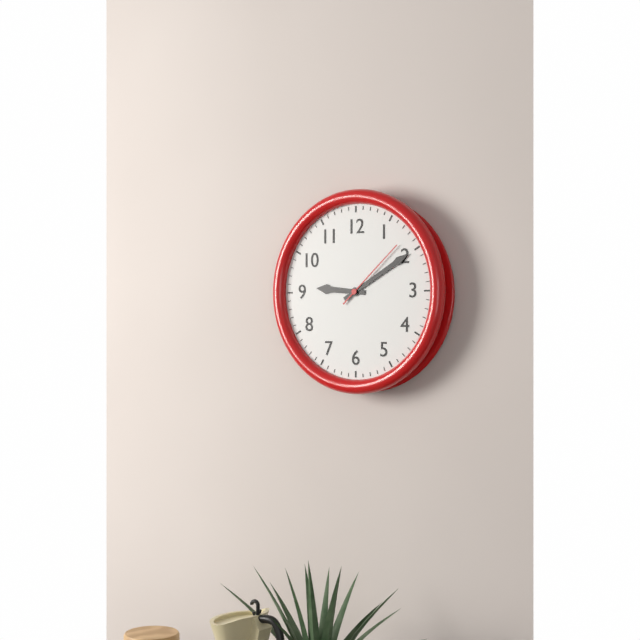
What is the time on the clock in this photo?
9:10:08
